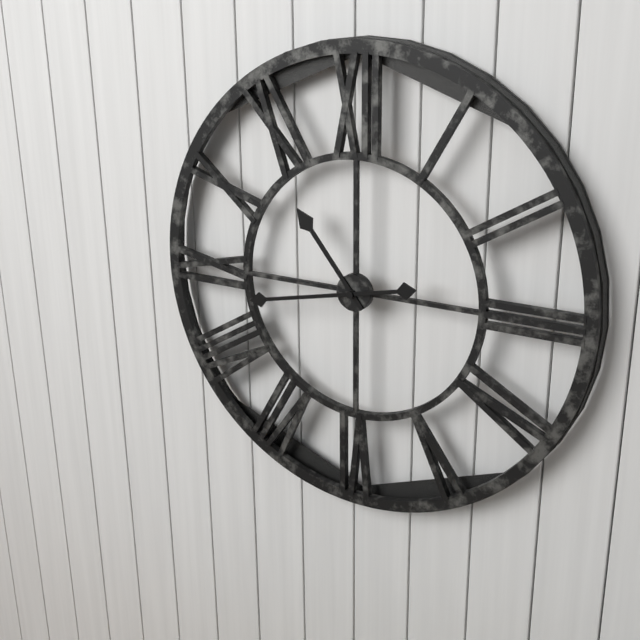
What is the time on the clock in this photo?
10:43
